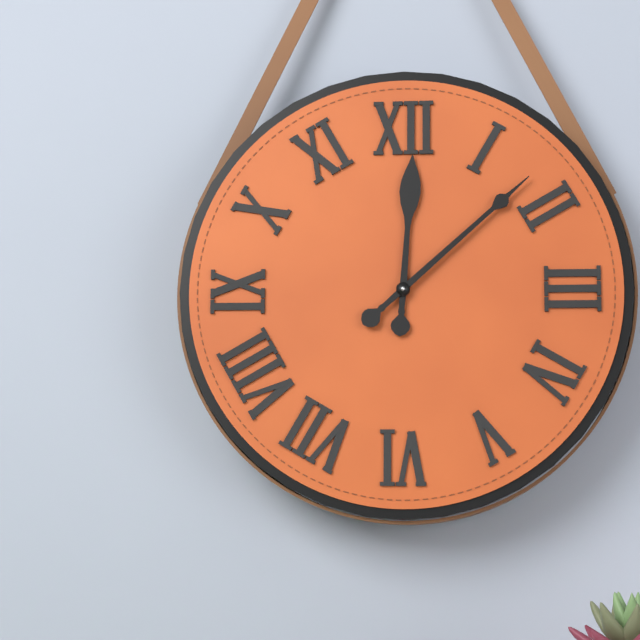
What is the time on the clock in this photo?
12:08
